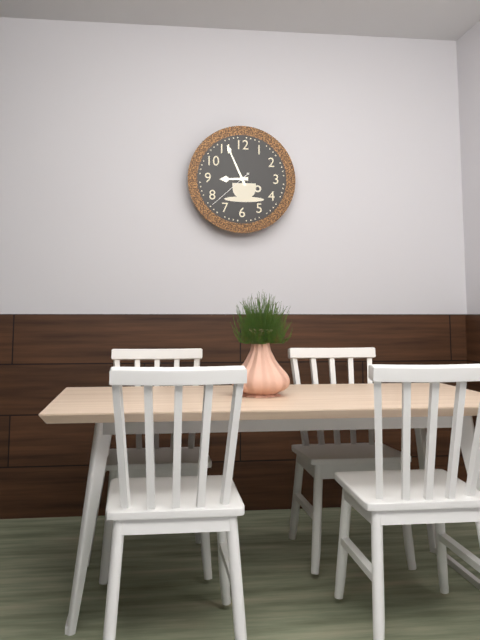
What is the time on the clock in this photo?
8:56
